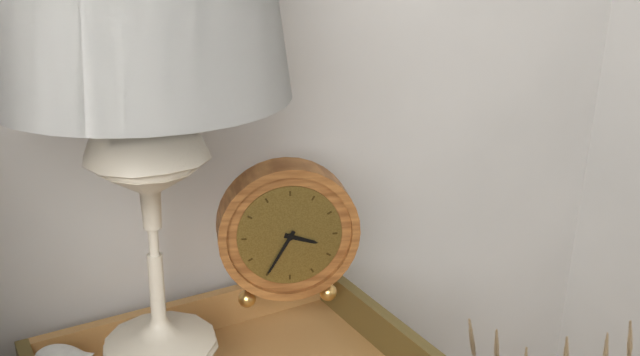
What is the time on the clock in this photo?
3:35
